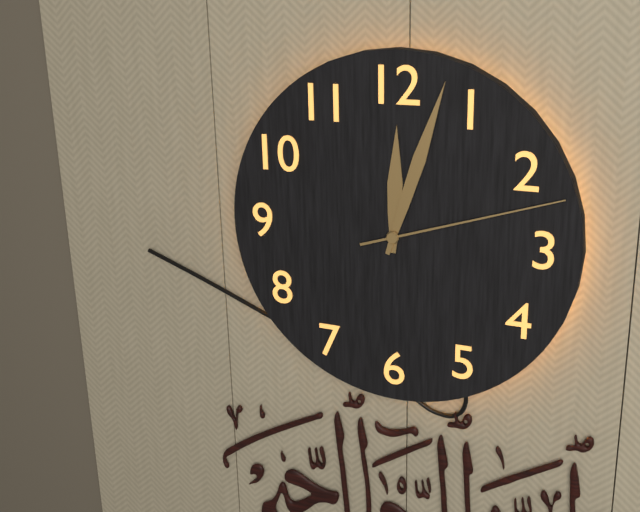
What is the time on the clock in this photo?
12:03:12
